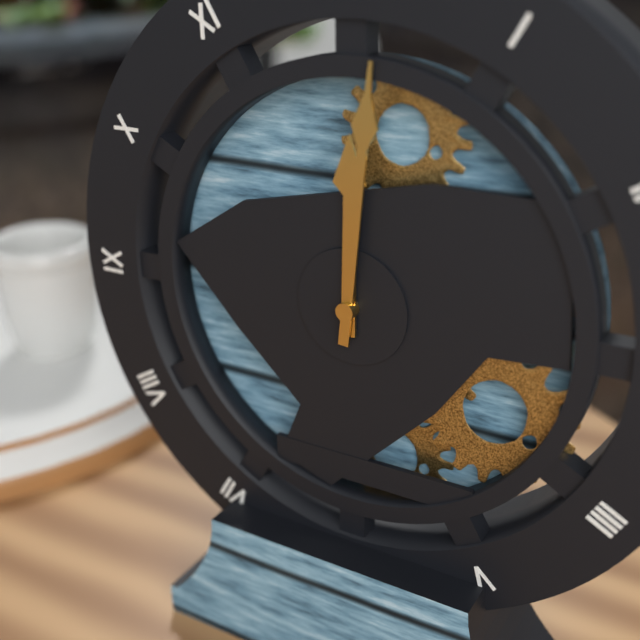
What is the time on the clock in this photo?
12:01
